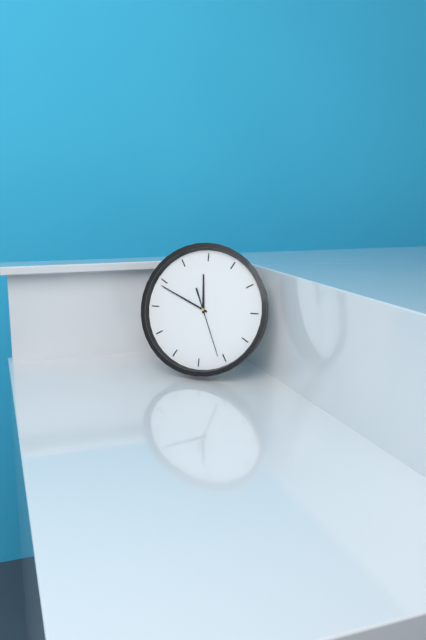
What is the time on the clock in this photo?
11:49:26
